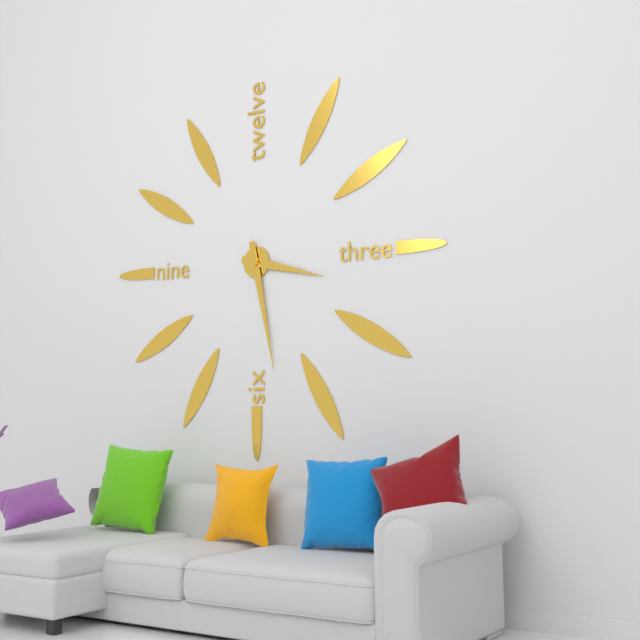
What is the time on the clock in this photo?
3:28
